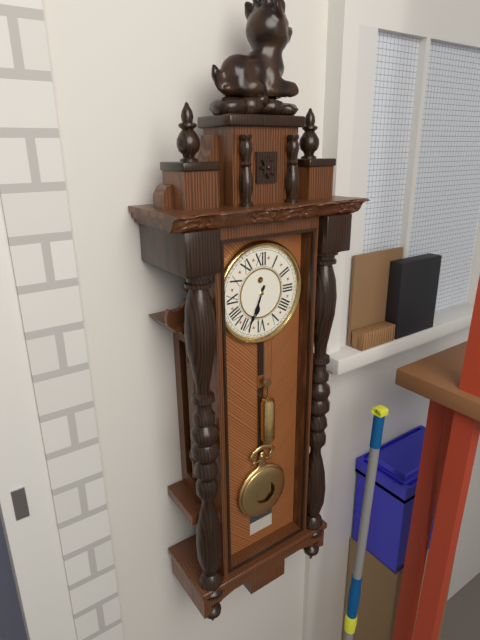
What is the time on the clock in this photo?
6:34
